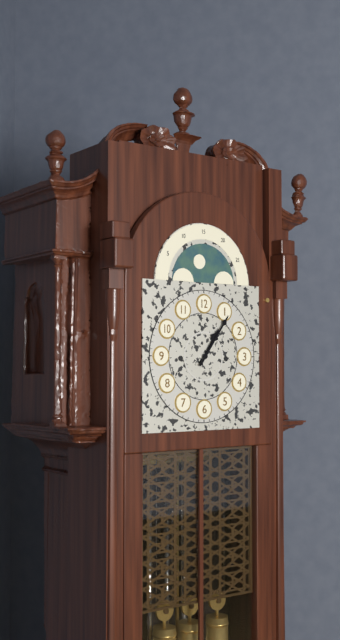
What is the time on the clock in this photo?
1:06
